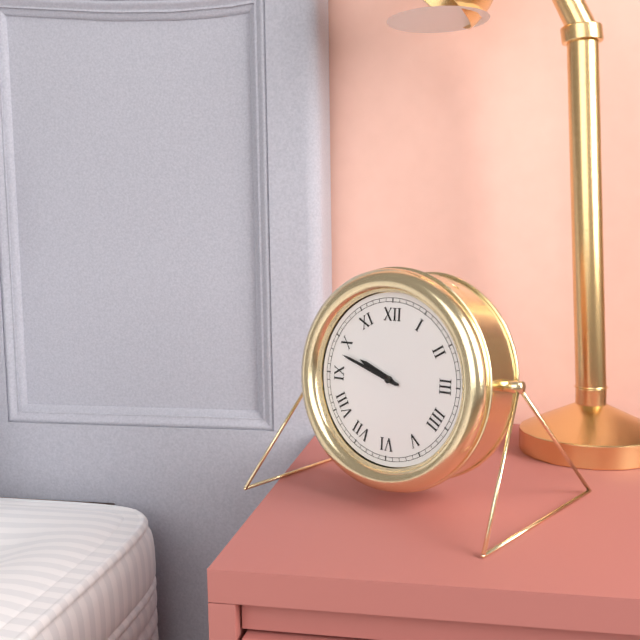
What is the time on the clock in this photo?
9:48
